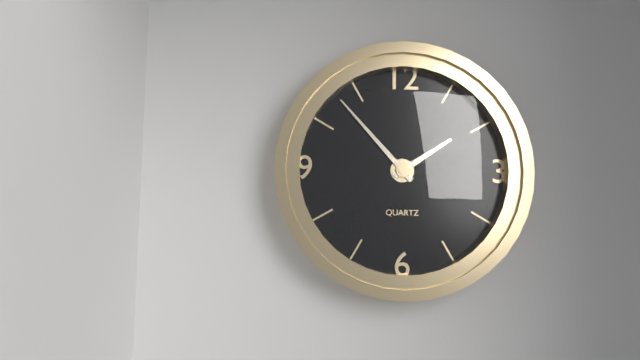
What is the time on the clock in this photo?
1:53
